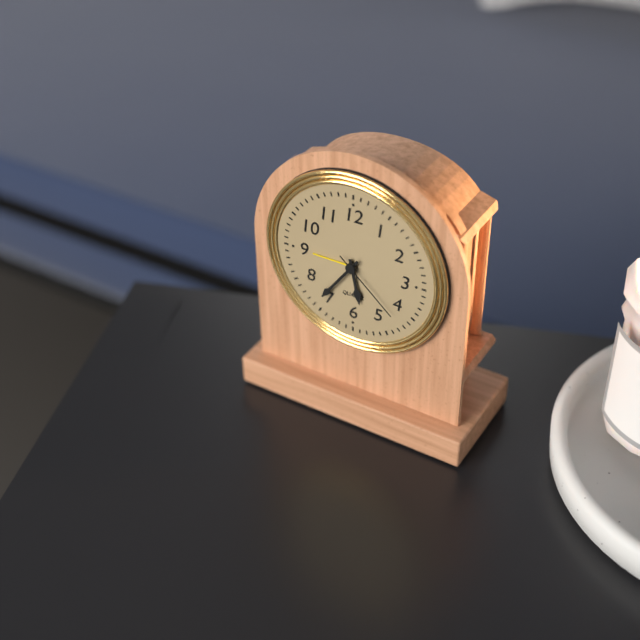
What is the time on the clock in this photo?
5:36:22
